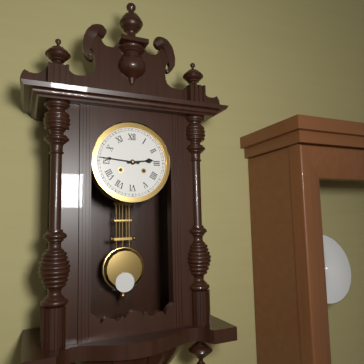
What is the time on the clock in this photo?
2:46
